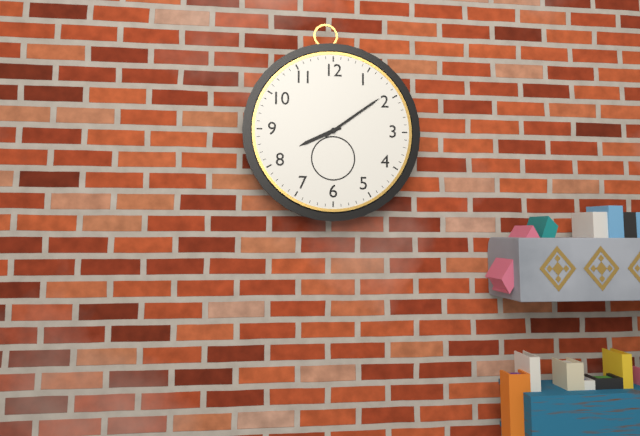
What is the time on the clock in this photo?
8:09
